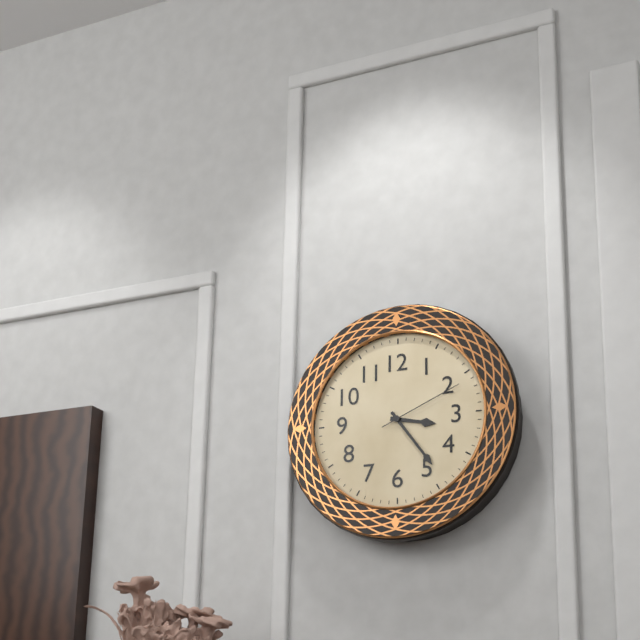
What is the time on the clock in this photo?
3:24:11
